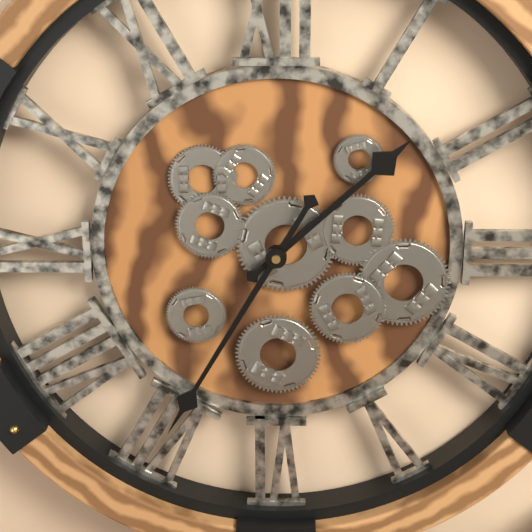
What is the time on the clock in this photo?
1:35
